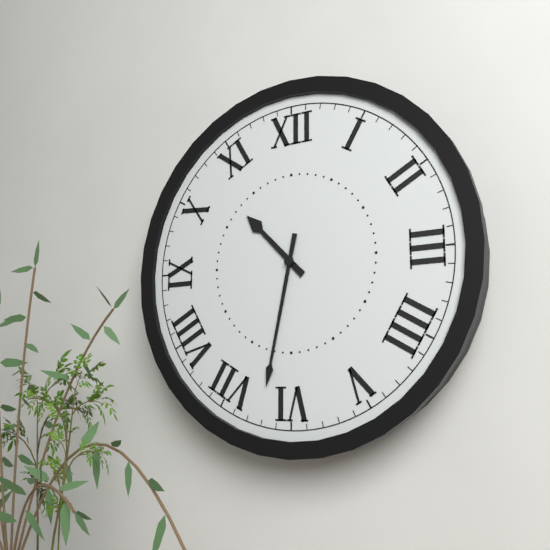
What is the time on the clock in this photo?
10:32
